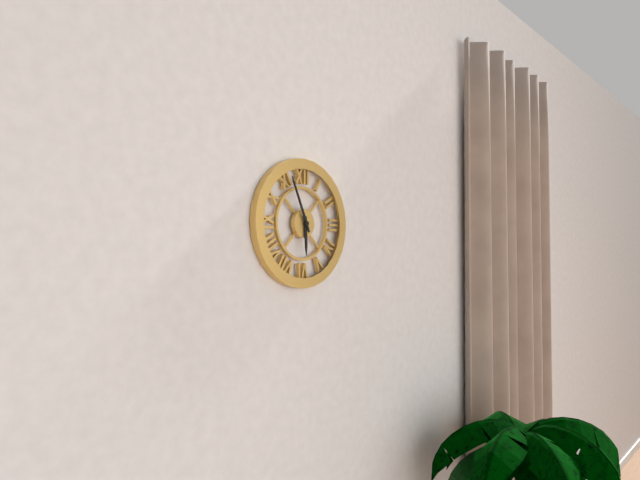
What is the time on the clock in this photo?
5:56
